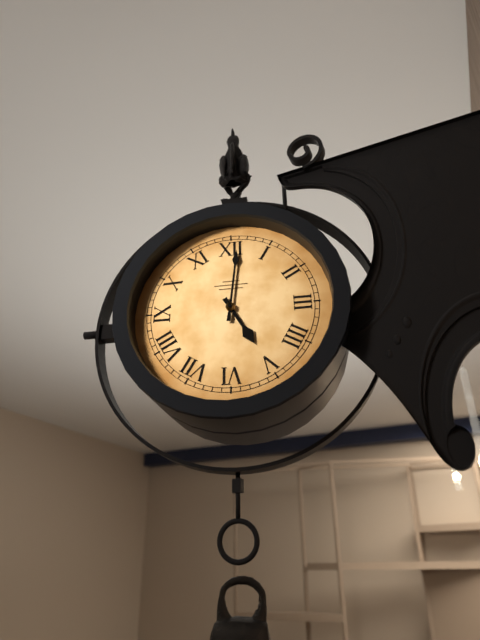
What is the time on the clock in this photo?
5:01
